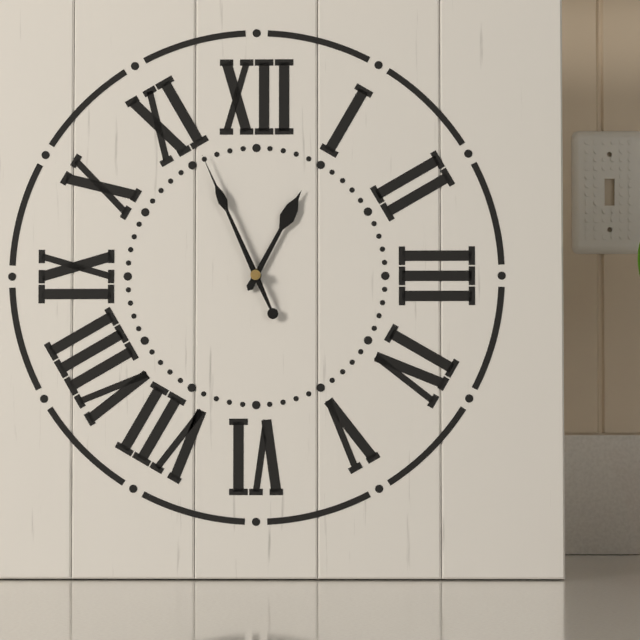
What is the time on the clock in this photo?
12:56:56
